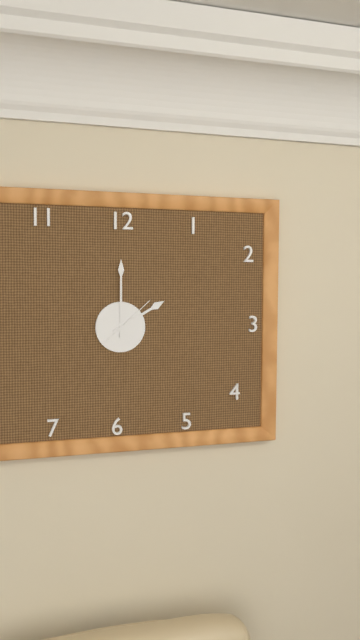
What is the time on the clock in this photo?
2:00:08
